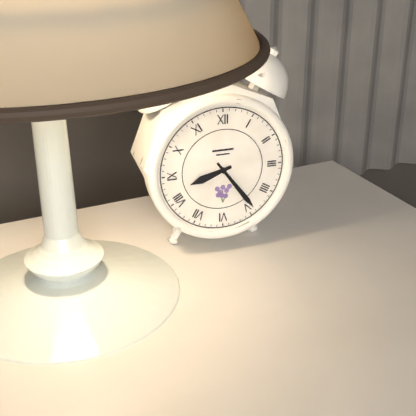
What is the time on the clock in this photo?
8:24
